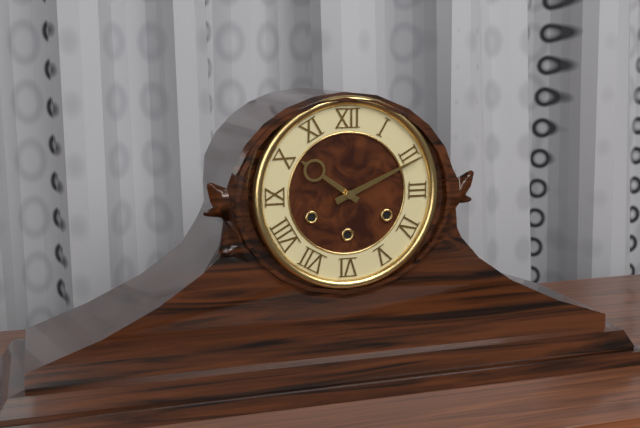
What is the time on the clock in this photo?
10:11
